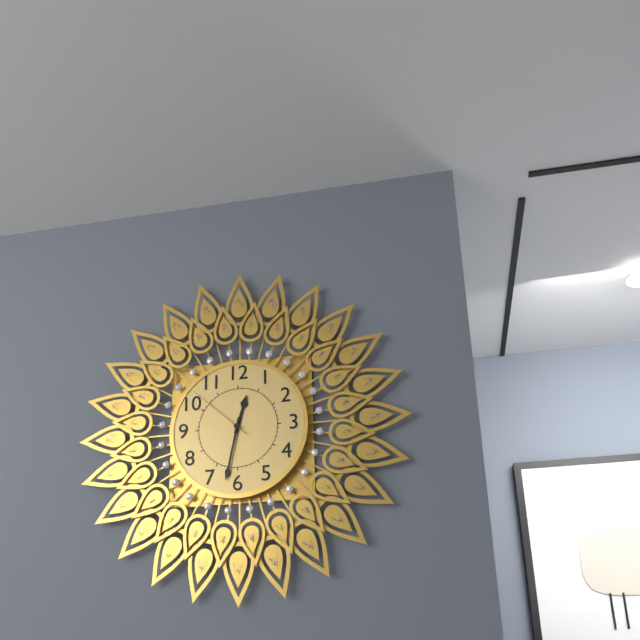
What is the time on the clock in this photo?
12:32:52
